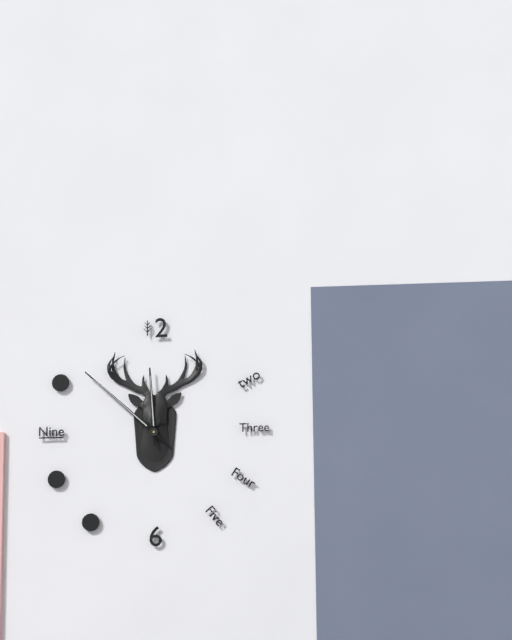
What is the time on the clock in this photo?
11:52
